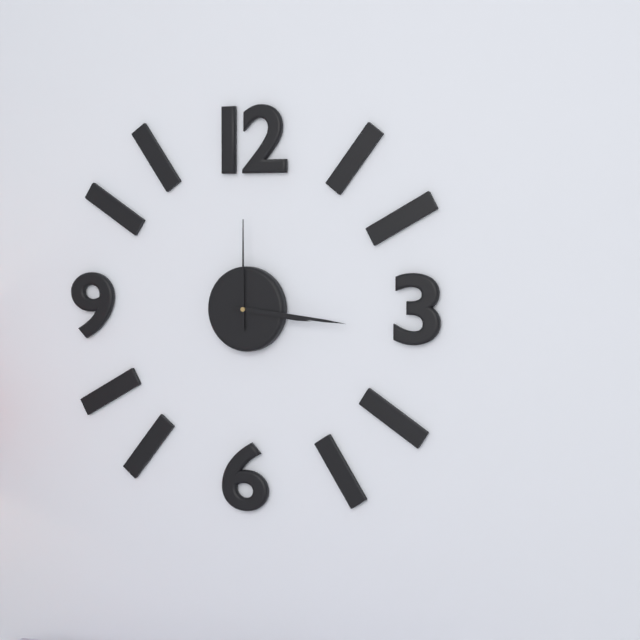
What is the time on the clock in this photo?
3:16:00
